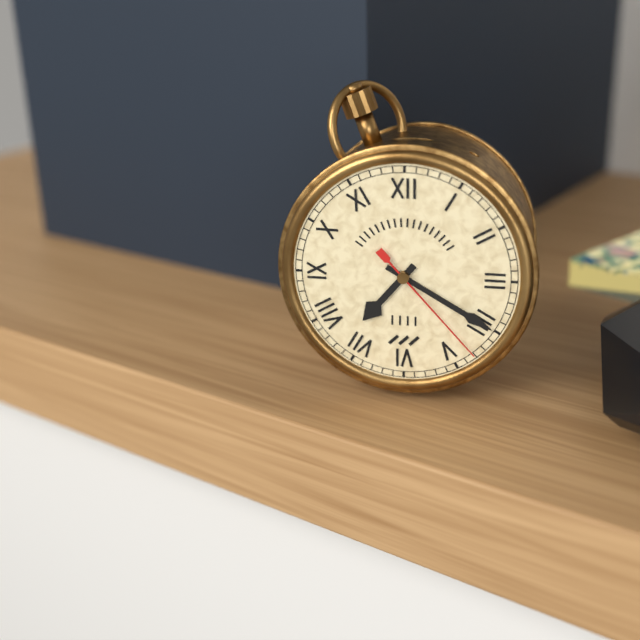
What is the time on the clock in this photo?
7:20:23
